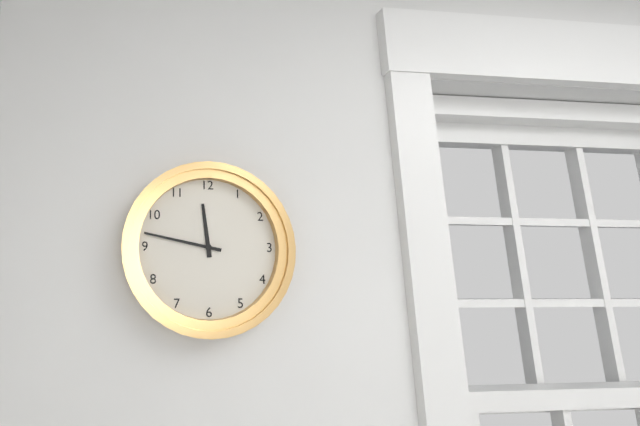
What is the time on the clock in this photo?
11:47
